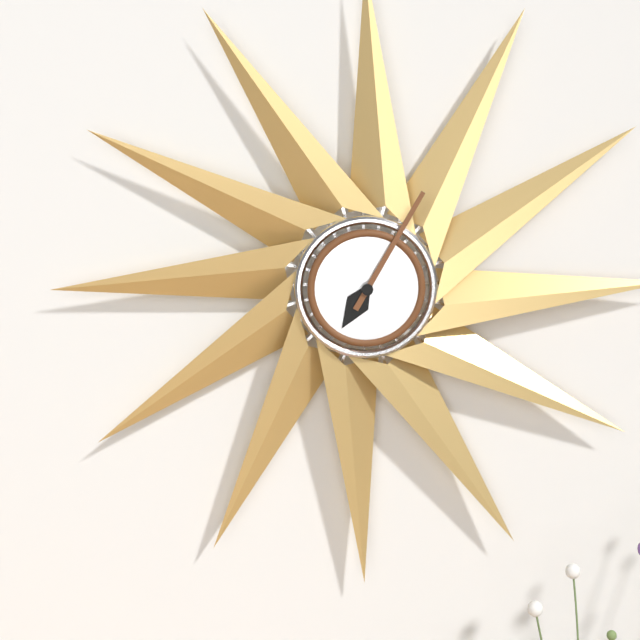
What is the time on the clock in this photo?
7:05
